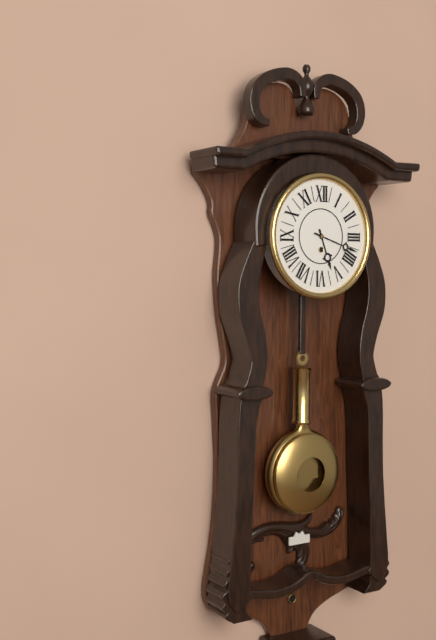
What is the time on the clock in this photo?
5:18
